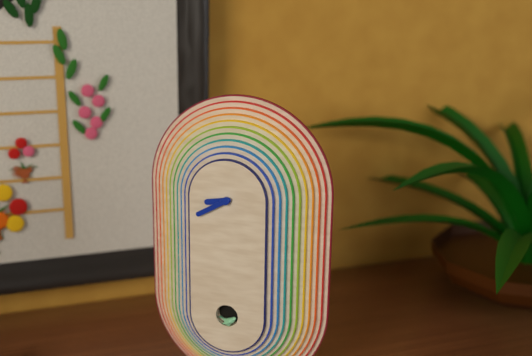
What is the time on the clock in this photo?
8:40
